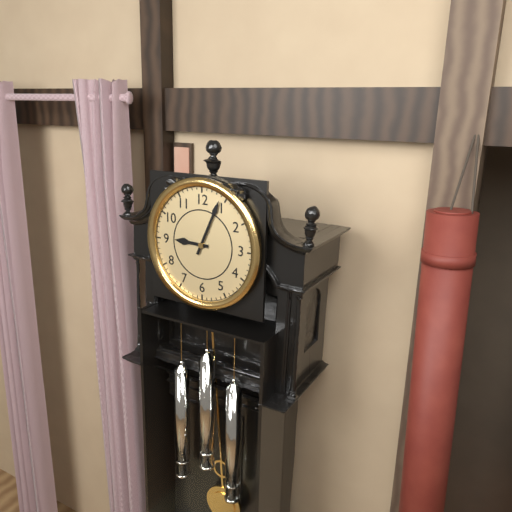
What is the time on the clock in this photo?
9:04
